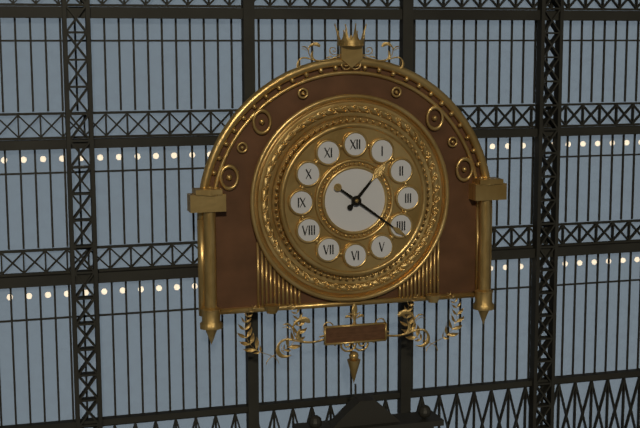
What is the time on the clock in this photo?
1:21
